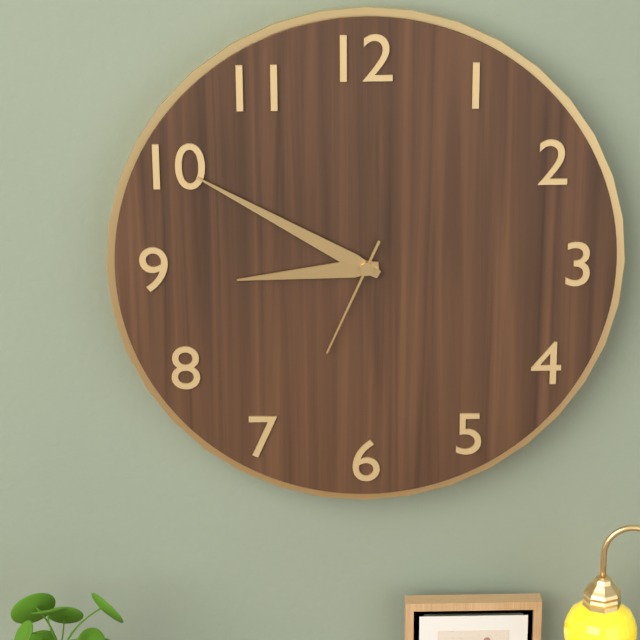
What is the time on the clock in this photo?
8:50:34
